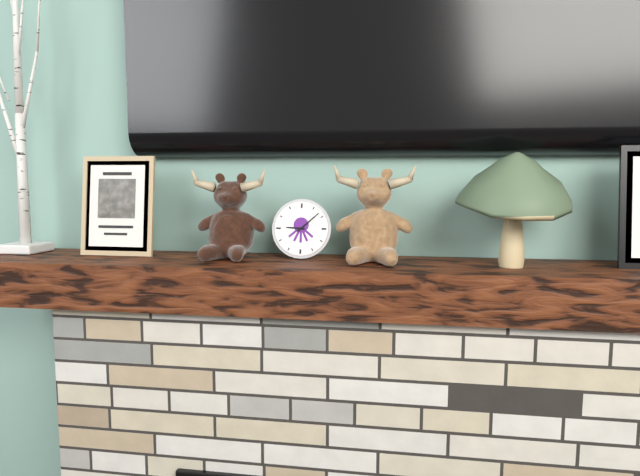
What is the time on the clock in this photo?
9:08
